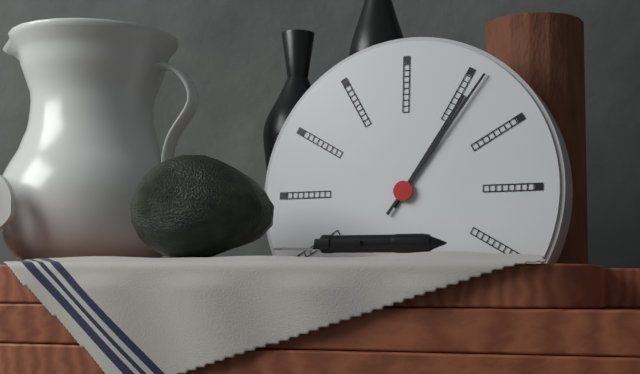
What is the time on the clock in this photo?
1:06
